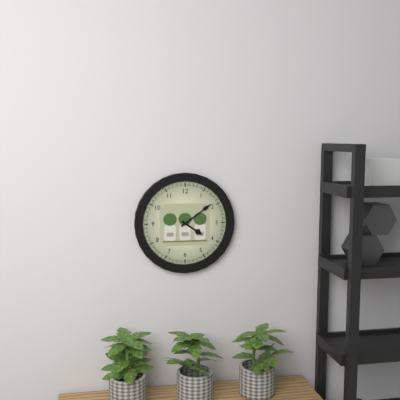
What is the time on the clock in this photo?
4:09
